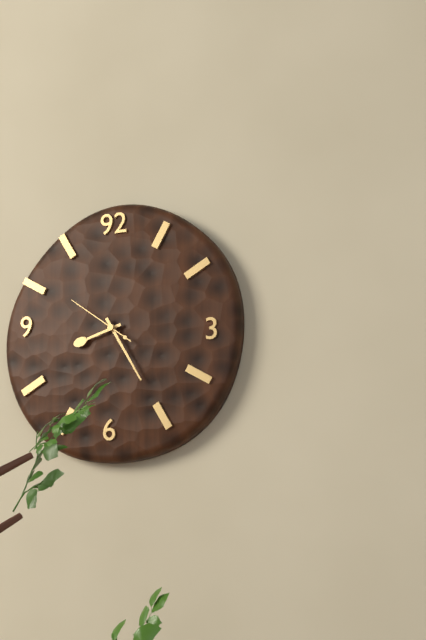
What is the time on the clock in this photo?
8:25:51
